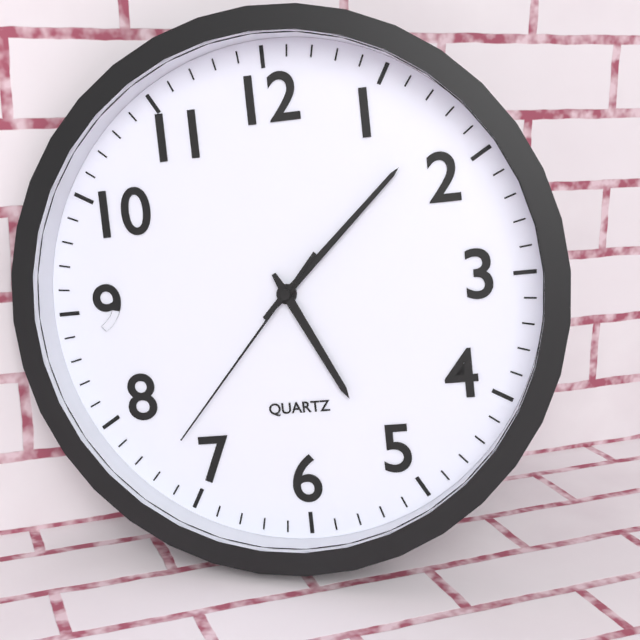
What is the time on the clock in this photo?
5:08:37
